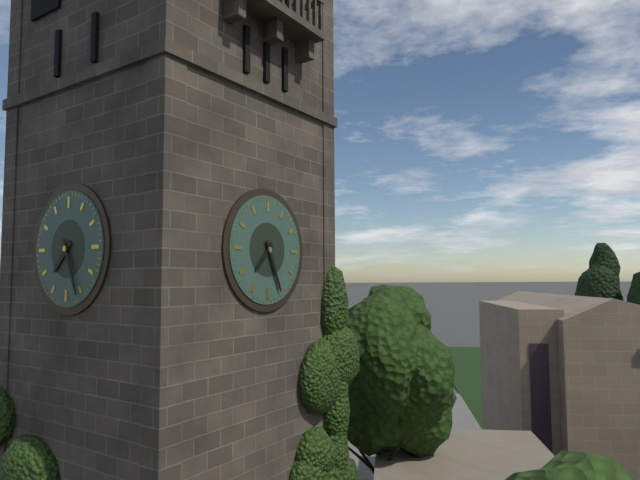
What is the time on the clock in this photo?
7:26
